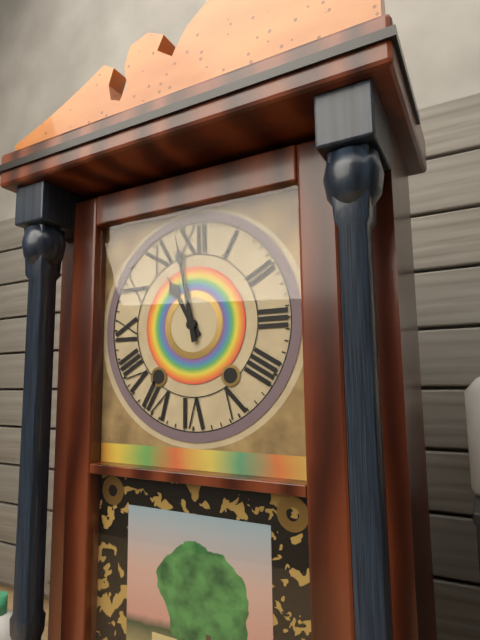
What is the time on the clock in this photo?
10:58
